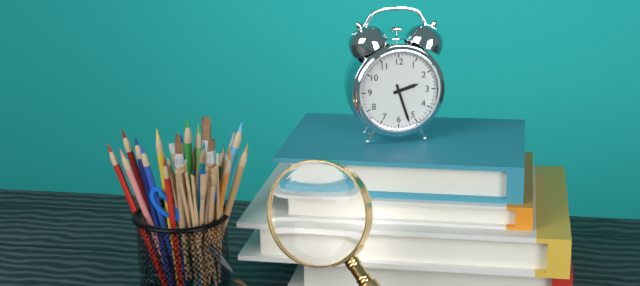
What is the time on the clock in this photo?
2:27
